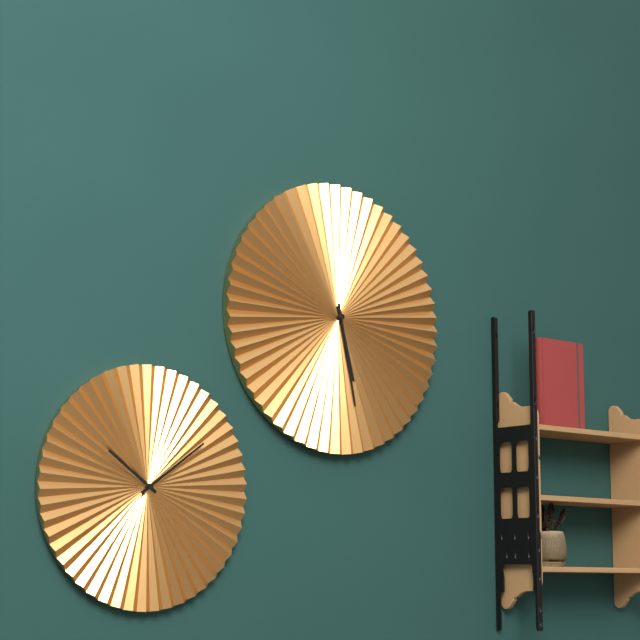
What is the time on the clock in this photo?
5:28
